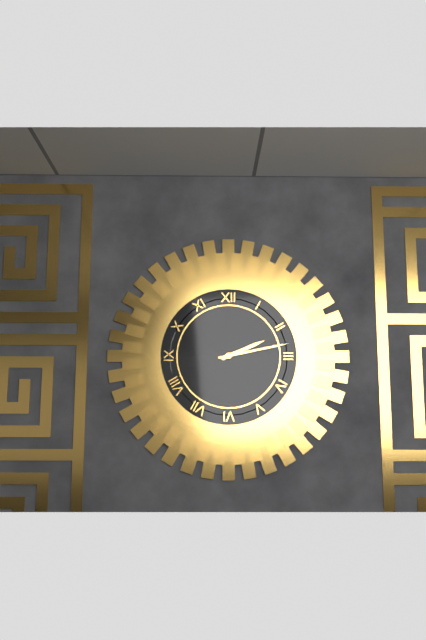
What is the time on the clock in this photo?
2:13
